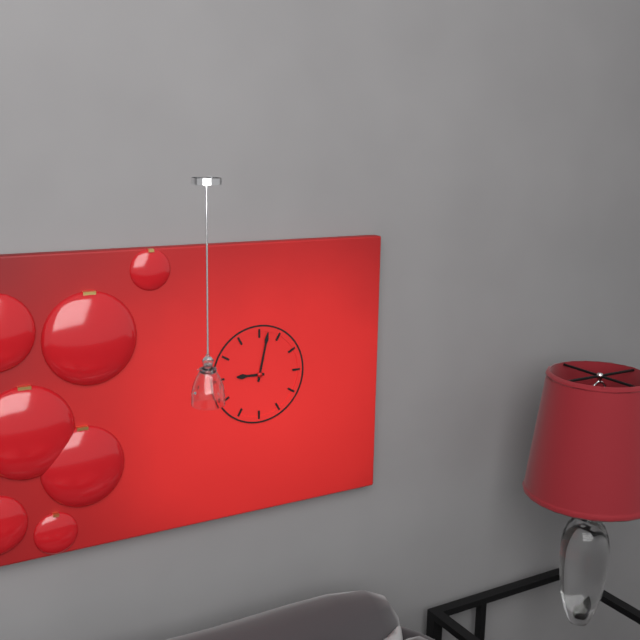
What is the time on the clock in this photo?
9:02
